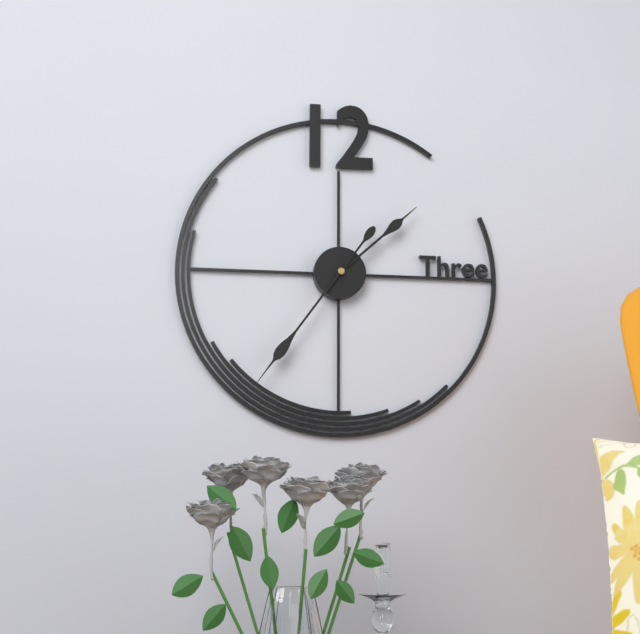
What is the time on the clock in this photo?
1:36
